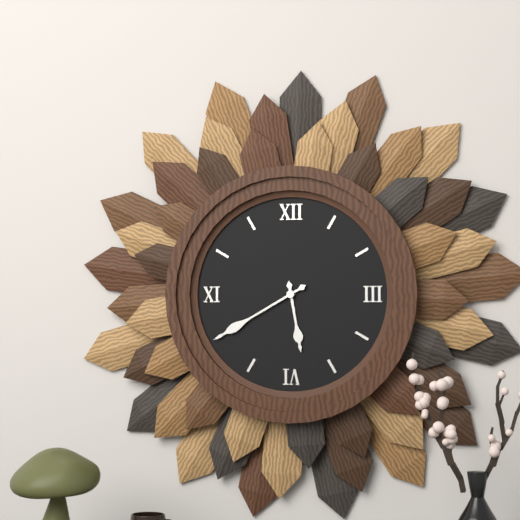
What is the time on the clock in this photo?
5:40
